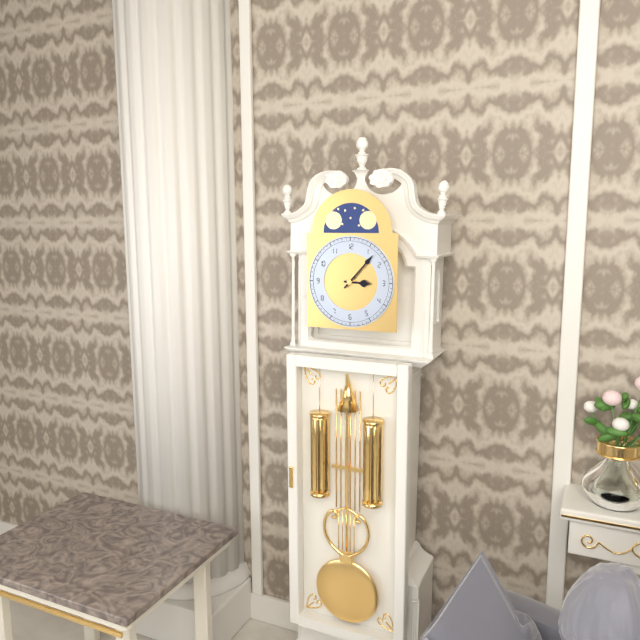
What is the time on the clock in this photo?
3:07
